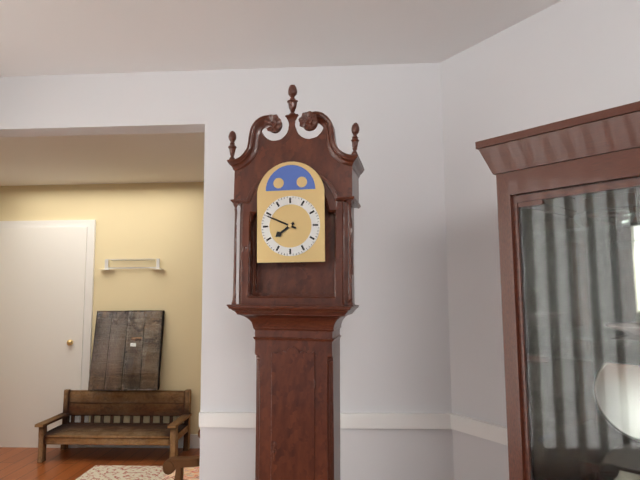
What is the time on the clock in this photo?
7:49
